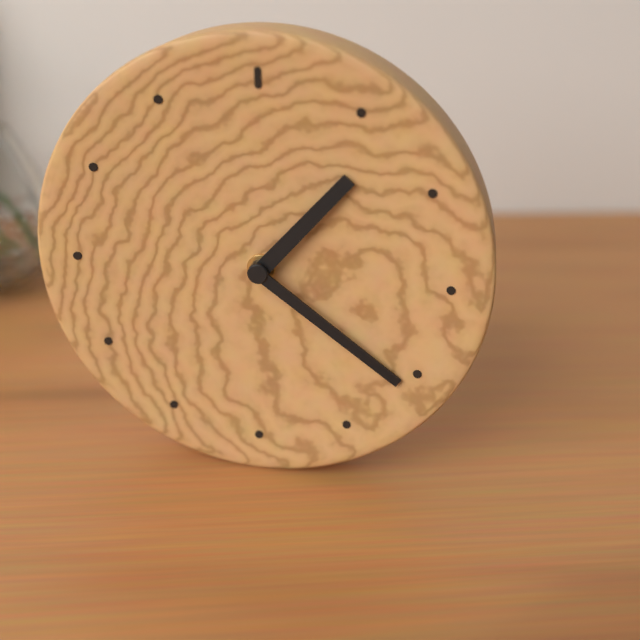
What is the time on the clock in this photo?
1:21
